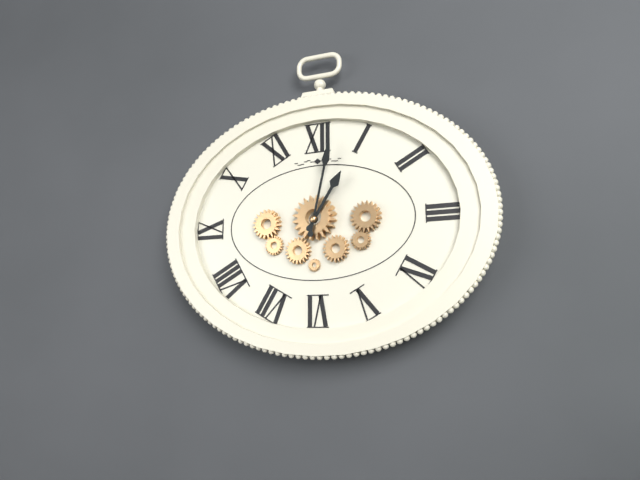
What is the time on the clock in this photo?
1:02
